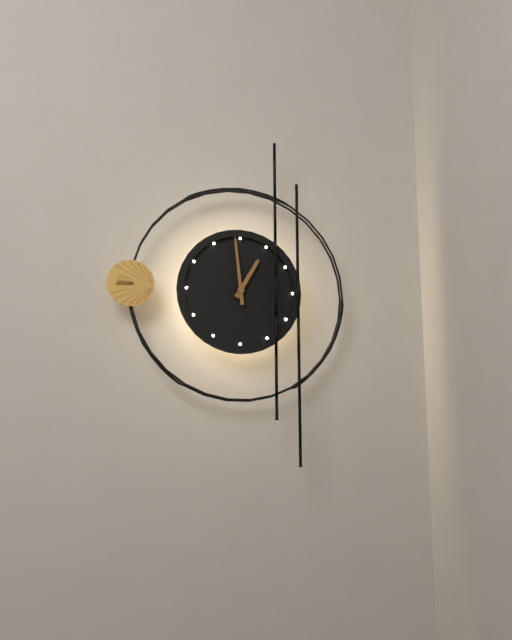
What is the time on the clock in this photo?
12:59
